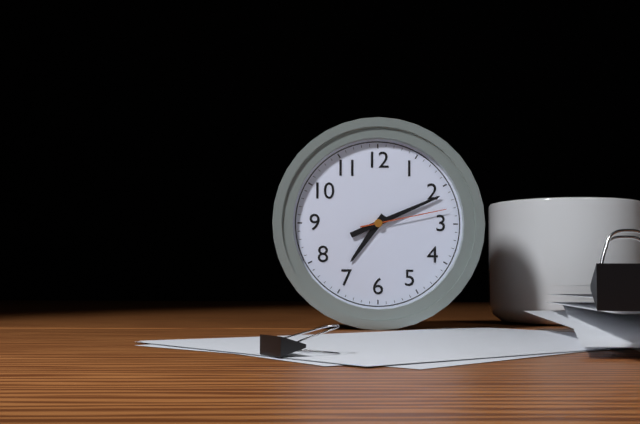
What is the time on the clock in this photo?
7:11:13
